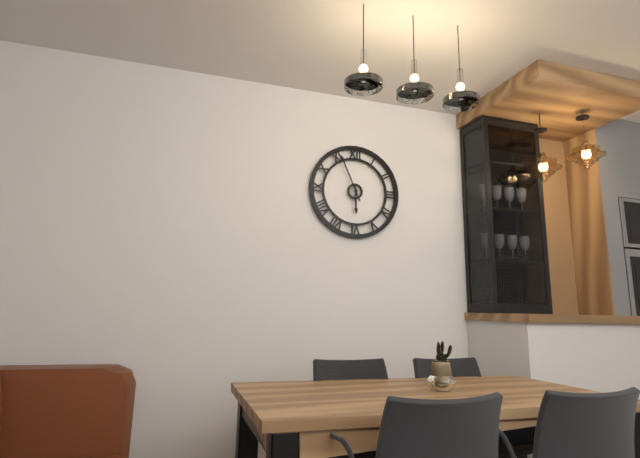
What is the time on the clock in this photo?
5:56
